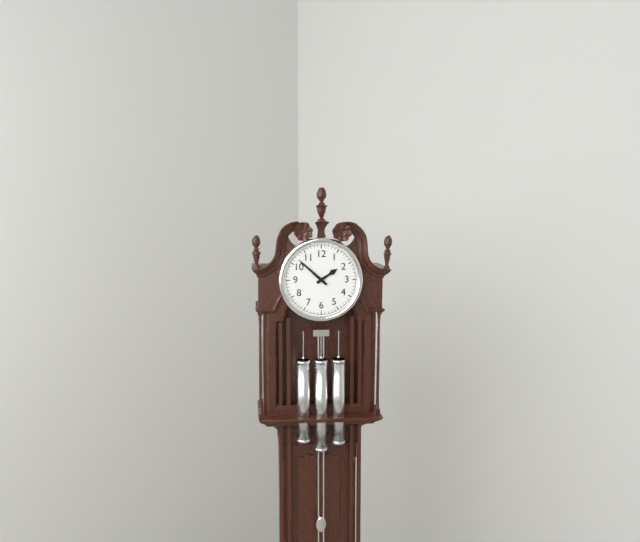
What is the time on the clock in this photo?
1:52
